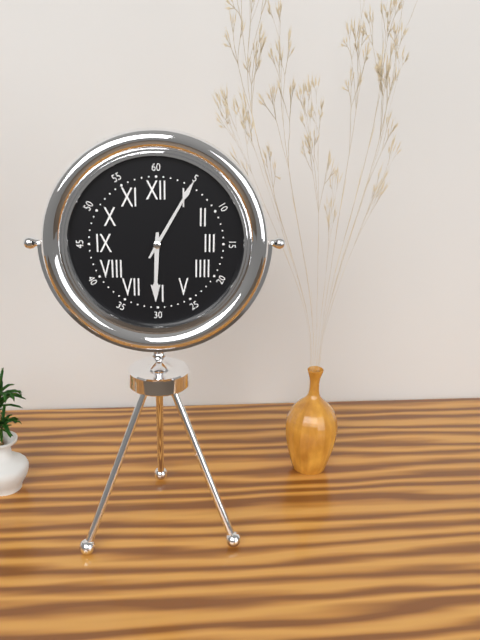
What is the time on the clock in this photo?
6:05
